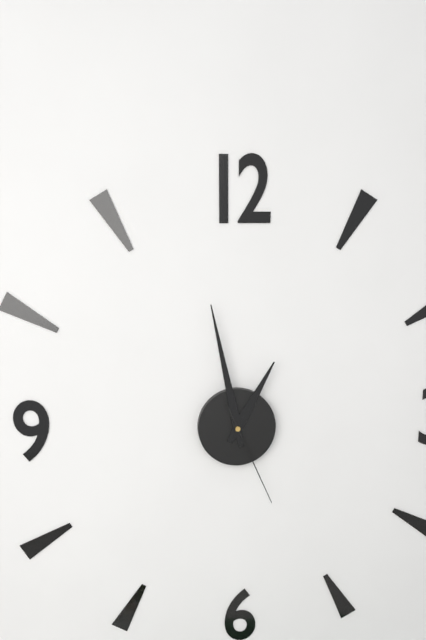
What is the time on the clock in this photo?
12:58:26
